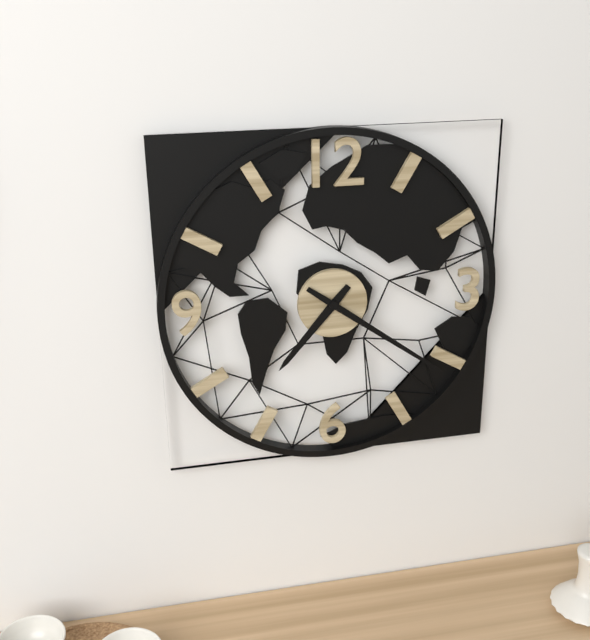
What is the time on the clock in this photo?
7:21
